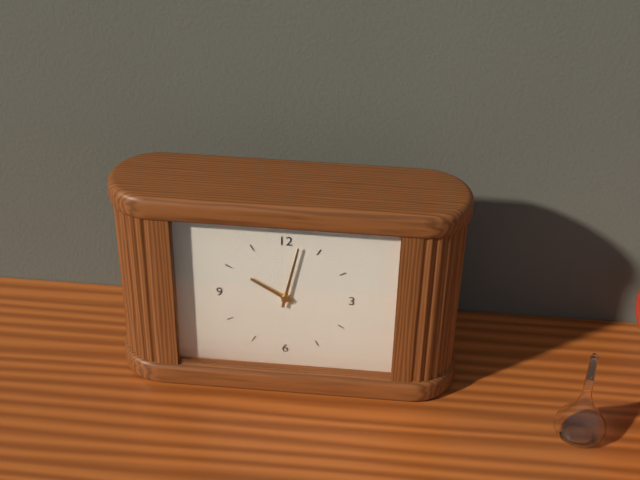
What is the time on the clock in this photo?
10:02
